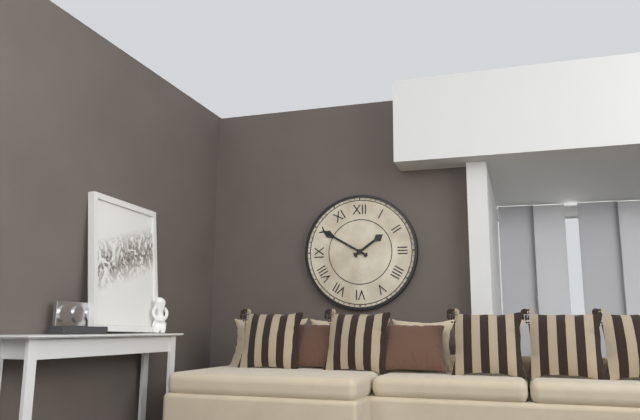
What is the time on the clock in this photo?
1:50
